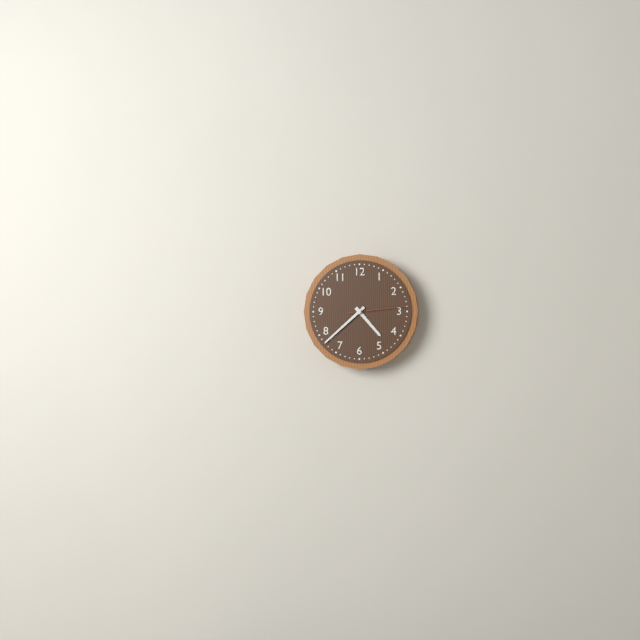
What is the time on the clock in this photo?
4:38:14
